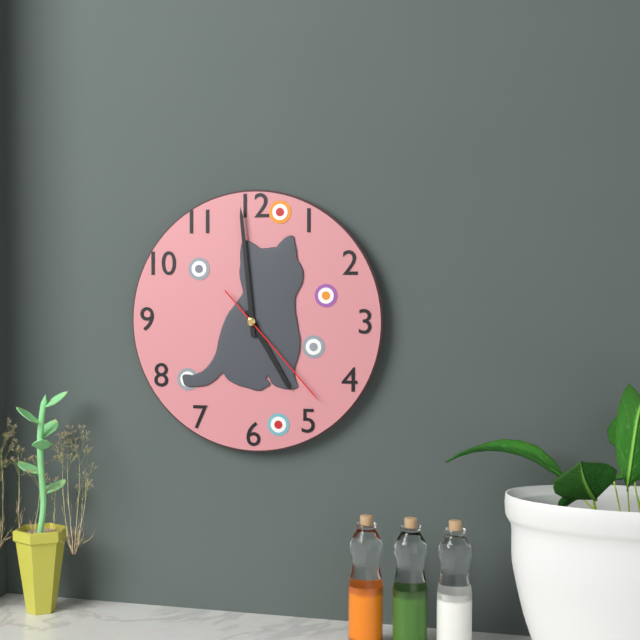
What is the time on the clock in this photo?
4:59:23
